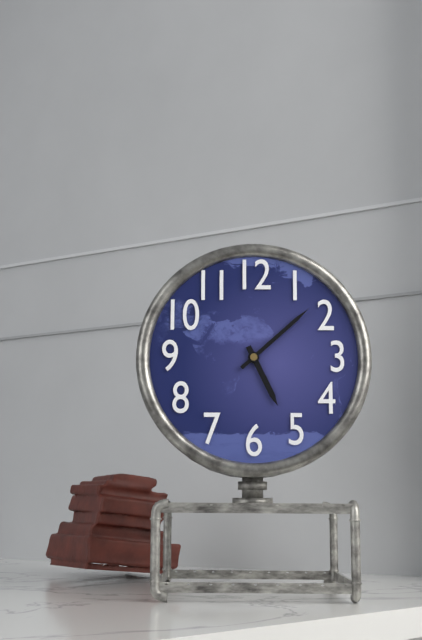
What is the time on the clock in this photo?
5:08
